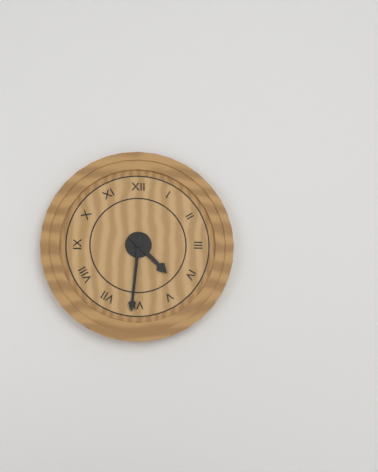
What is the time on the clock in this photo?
4:31
